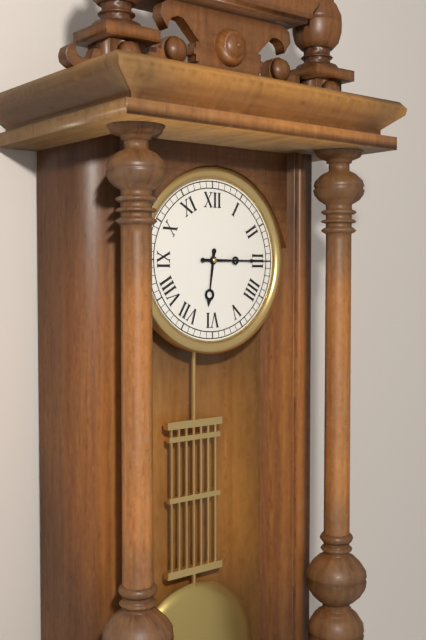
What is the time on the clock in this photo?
6:15
